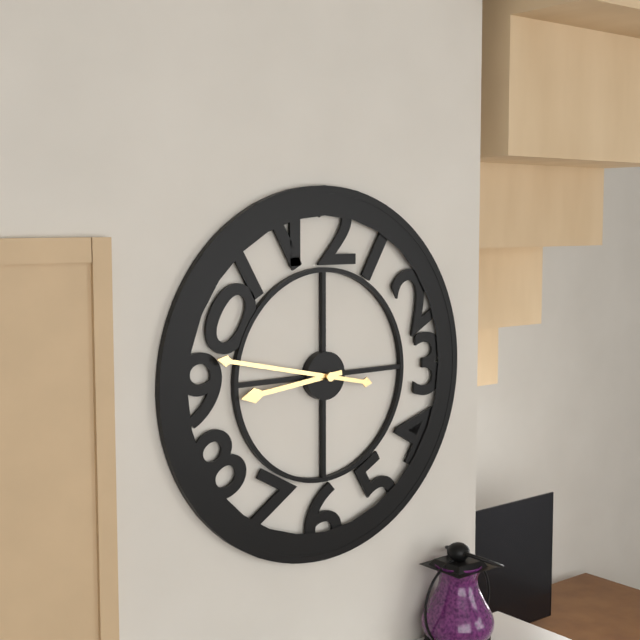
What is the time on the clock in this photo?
8:47
